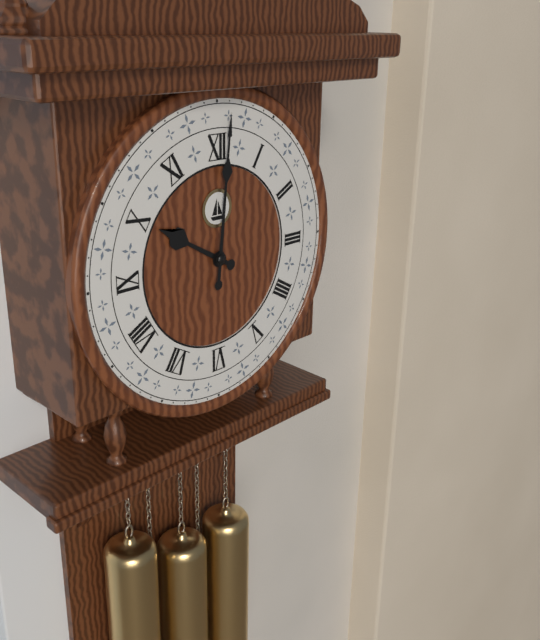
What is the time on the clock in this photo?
10:01
